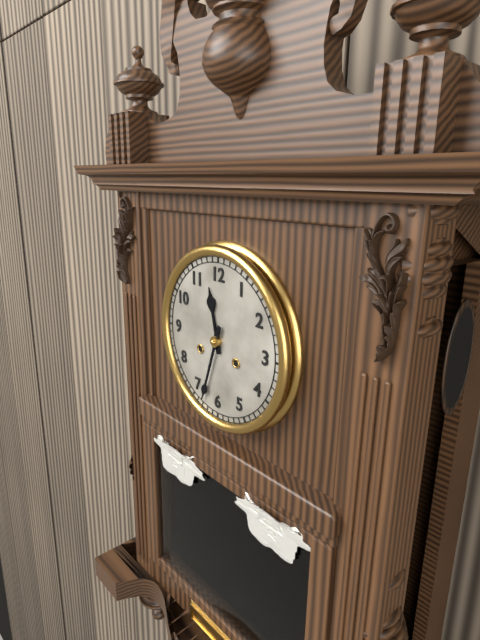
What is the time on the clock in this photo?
11:33
